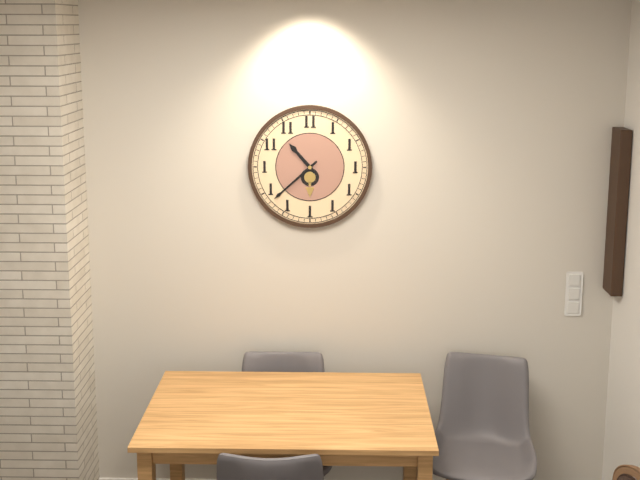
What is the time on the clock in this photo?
10:38
